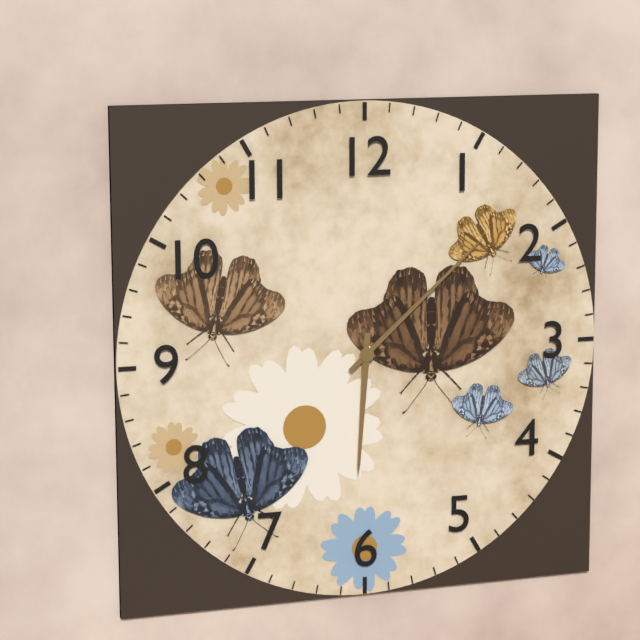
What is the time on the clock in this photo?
6:08
